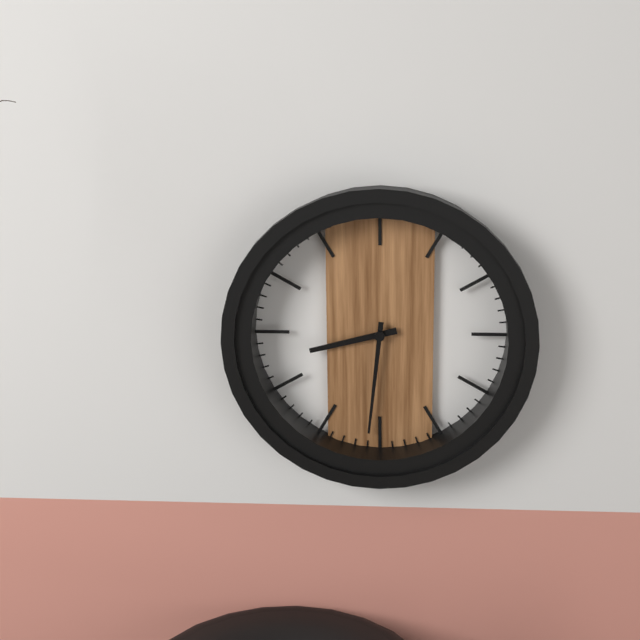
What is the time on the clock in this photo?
8:31
